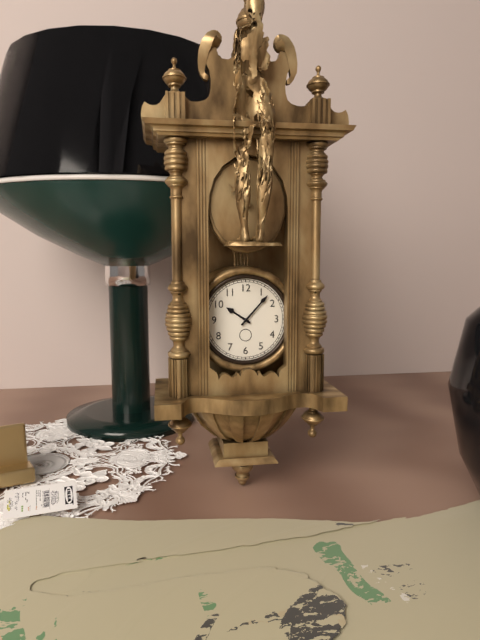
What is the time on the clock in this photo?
10:07
